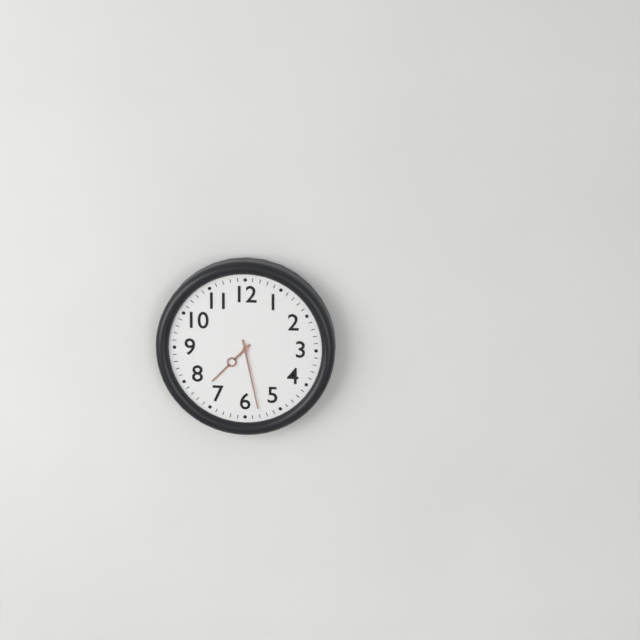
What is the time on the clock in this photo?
7:28
